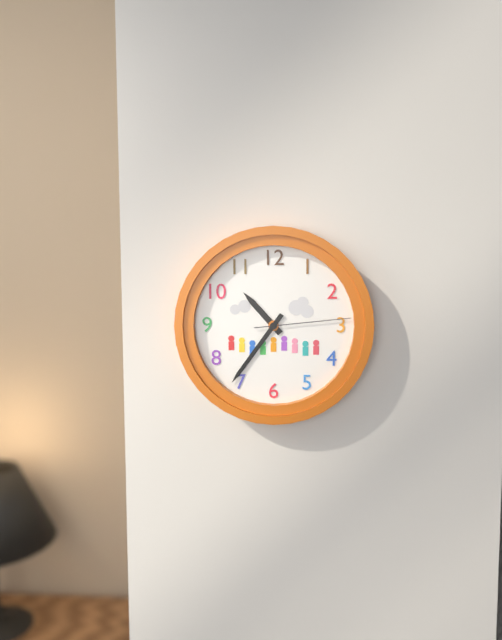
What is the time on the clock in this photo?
10:36:14
